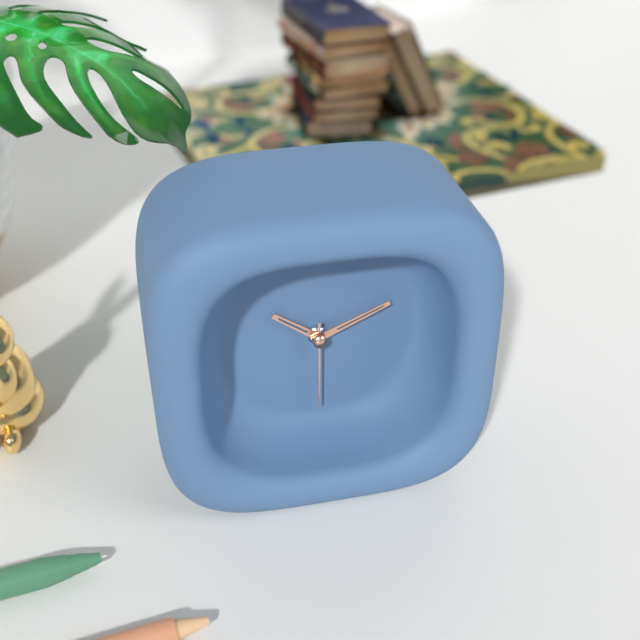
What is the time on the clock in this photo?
10:11:30
